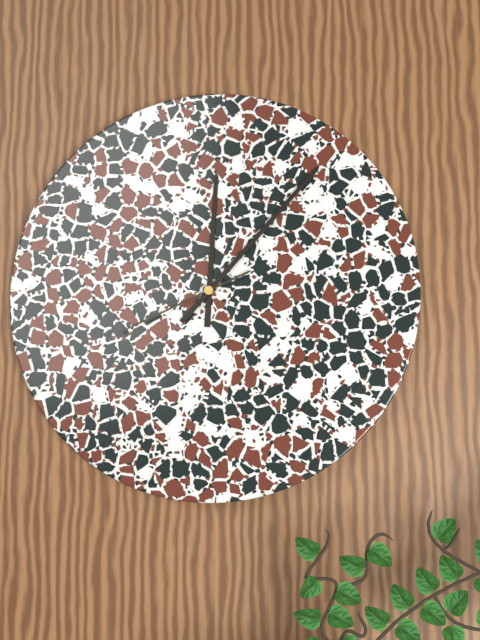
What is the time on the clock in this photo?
12:07:41
